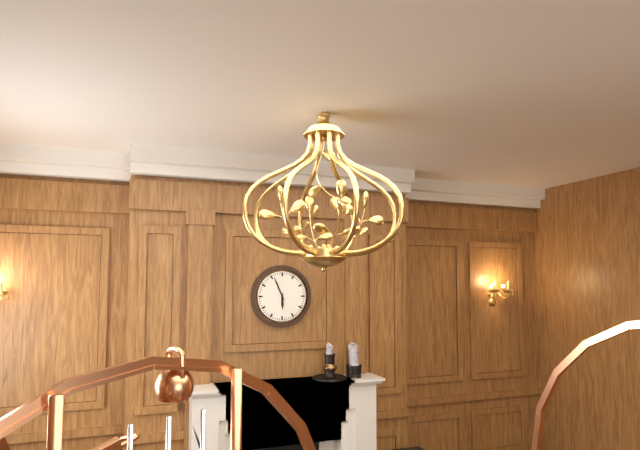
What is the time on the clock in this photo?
5:56
